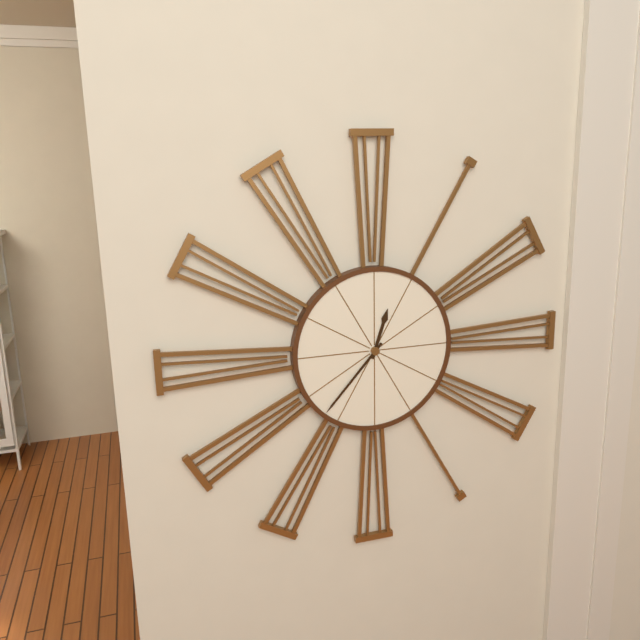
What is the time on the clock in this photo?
12:37
